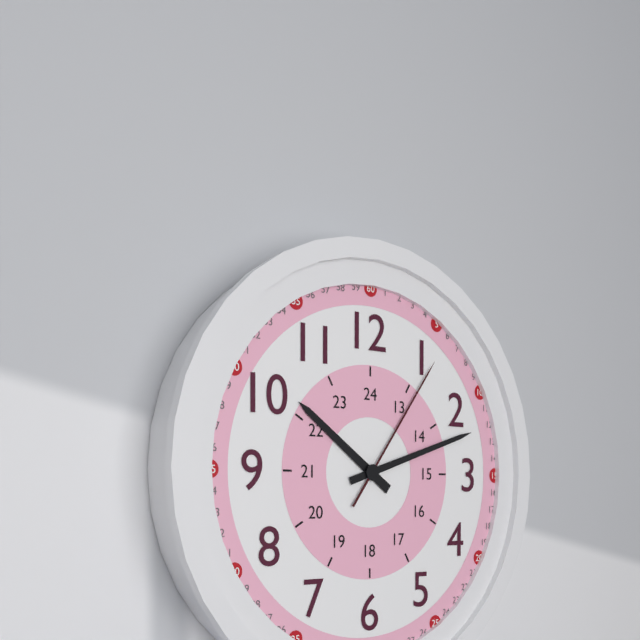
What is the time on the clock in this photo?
10:12:06
